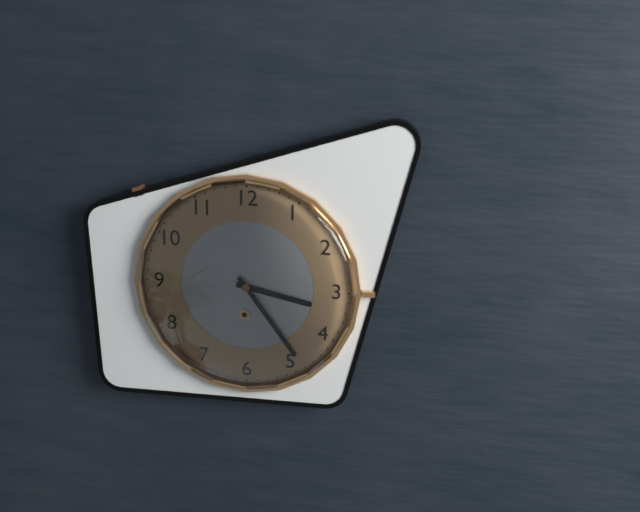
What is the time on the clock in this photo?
3:24
